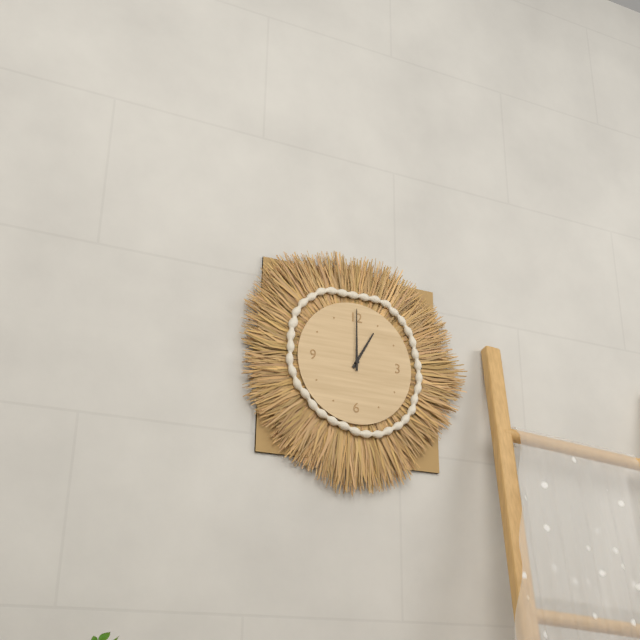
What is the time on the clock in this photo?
1:00
